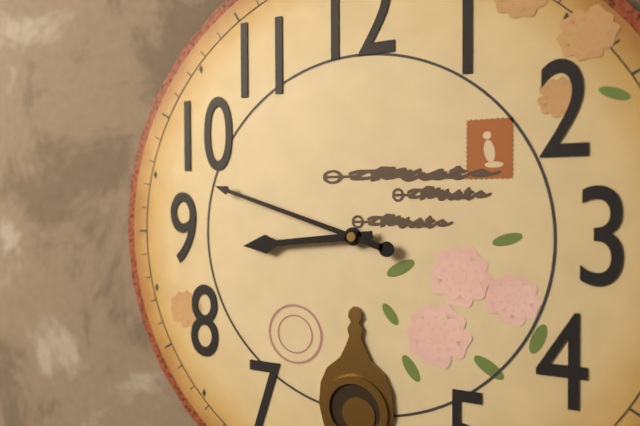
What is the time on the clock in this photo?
8:48
